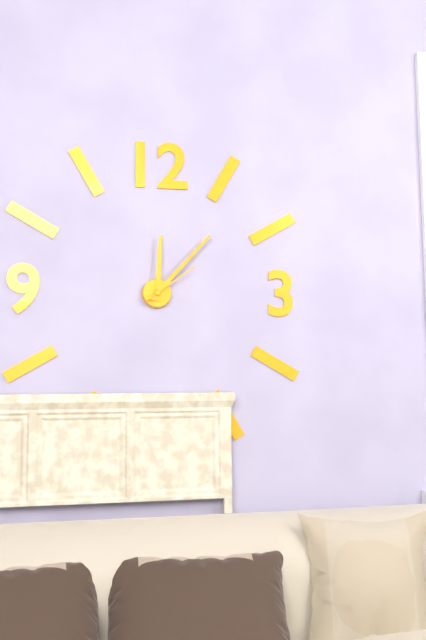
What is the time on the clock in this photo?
12:07:09
